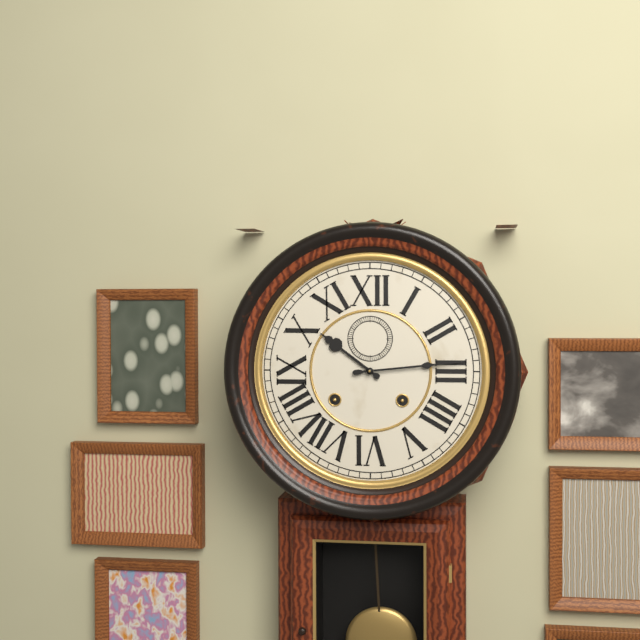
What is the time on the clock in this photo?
10:14
